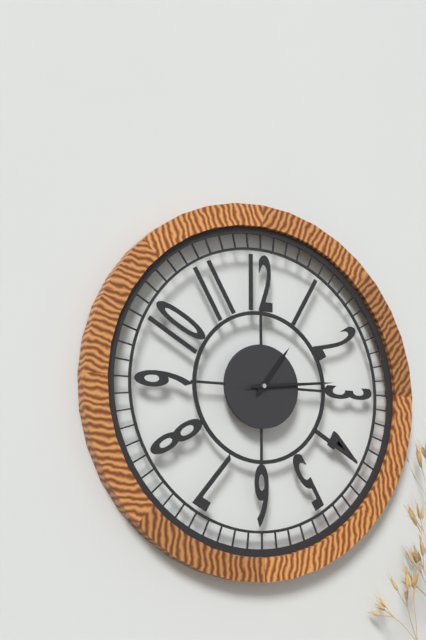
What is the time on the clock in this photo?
1:14:14
